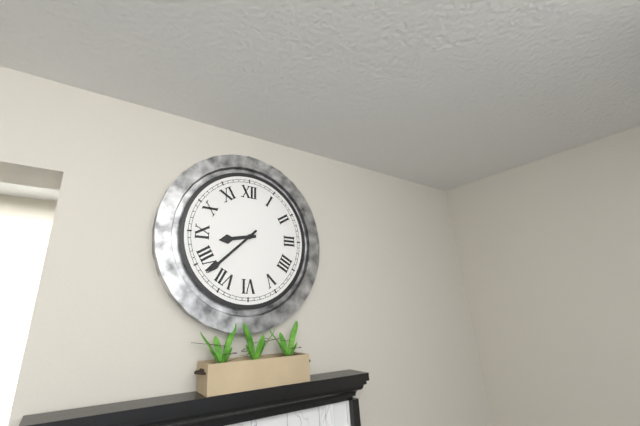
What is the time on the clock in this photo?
8:38
